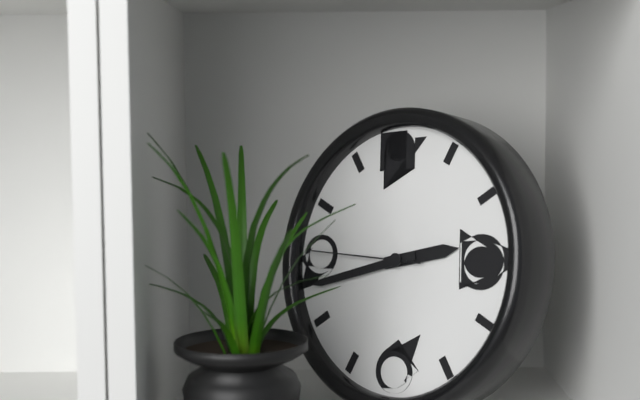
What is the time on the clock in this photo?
2:43:46
